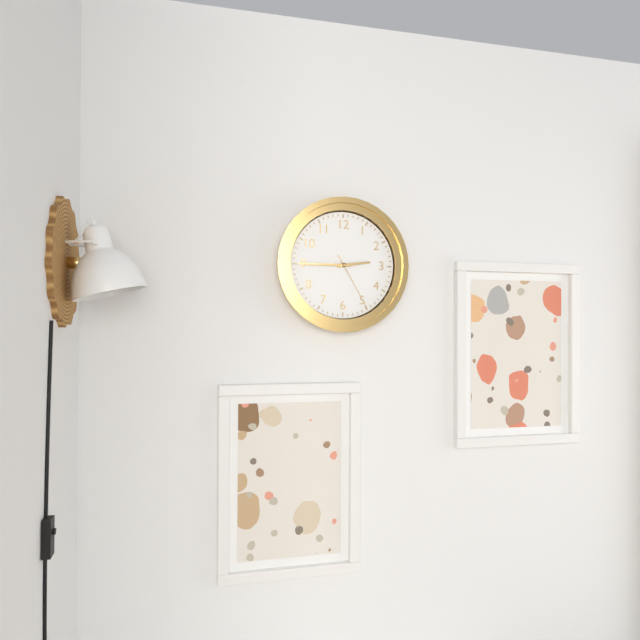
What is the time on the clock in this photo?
2:45:25
